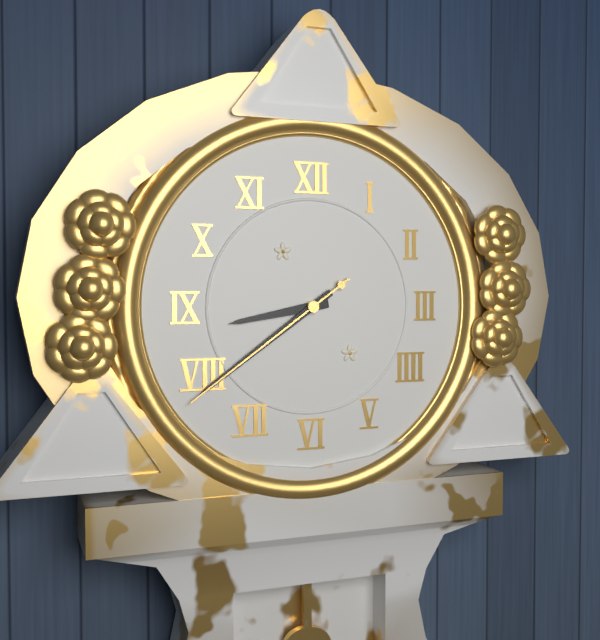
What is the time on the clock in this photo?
8:39:39
